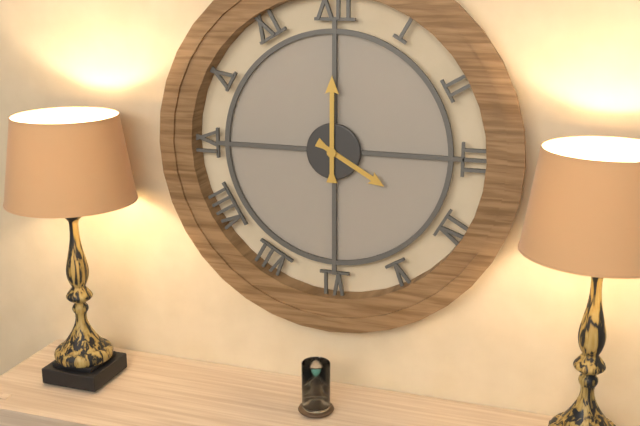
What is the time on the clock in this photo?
4:00
